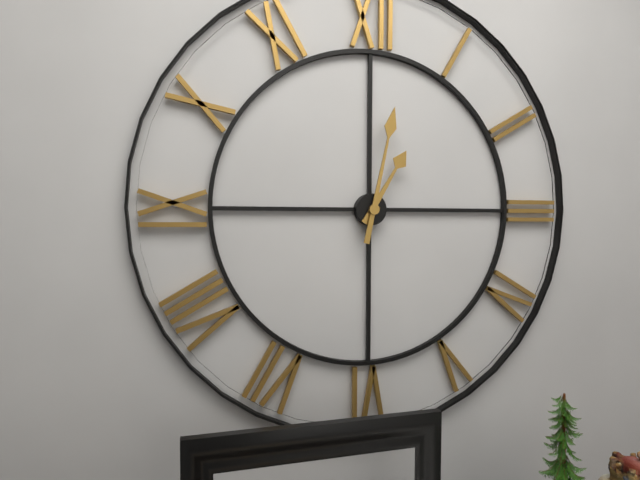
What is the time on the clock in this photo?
1:02
